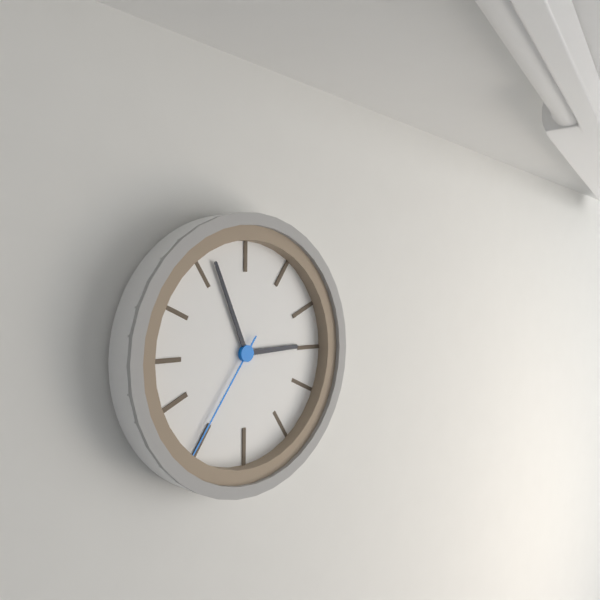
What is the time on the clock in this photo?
2:56:36
